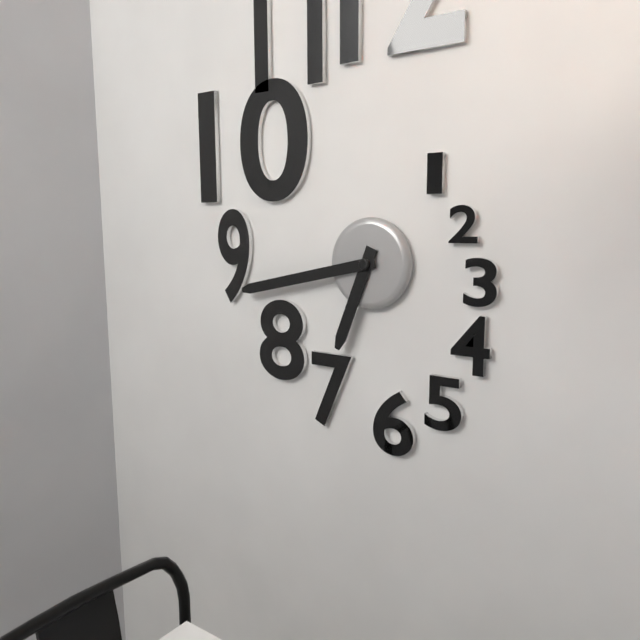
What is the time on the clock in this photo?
6:43
